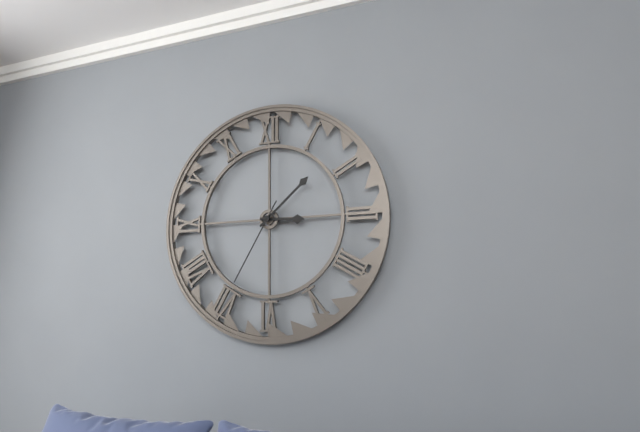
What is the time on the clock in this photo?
3:08:35
